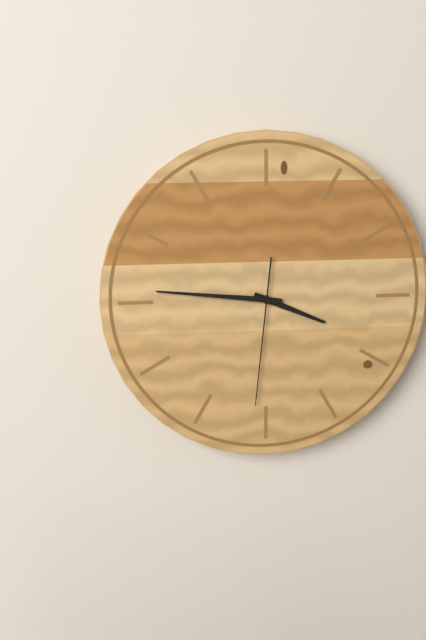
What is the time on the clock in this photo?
3:46:31
